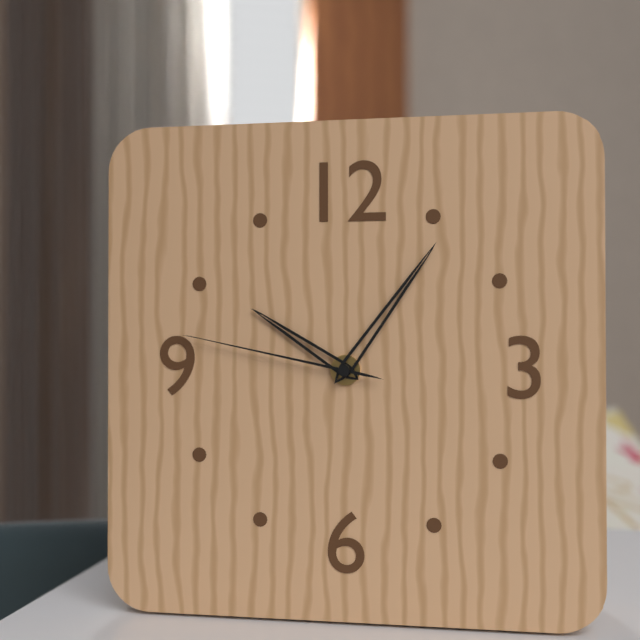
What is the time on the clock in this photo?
10:06:47
